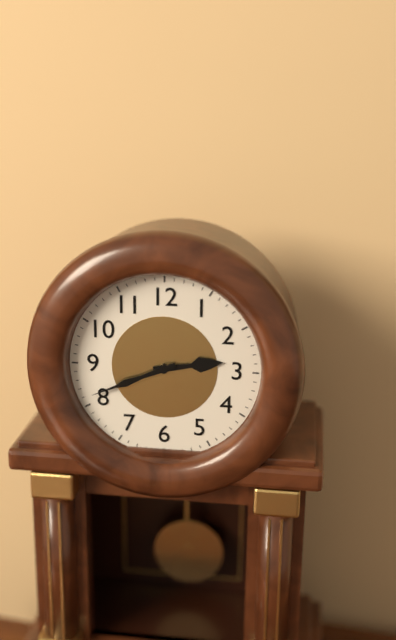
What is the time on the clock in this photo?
2:41
